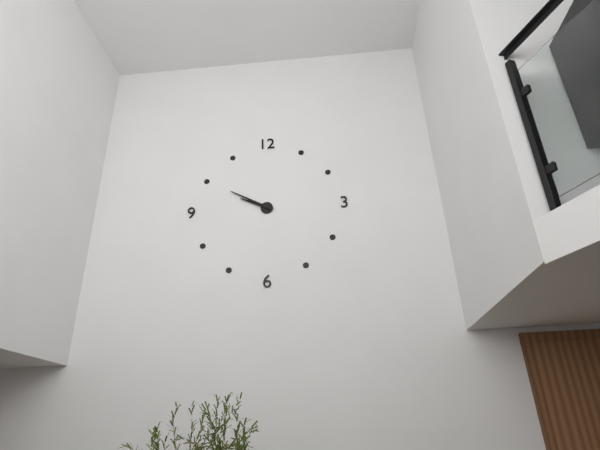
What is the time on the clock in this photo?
9:50
